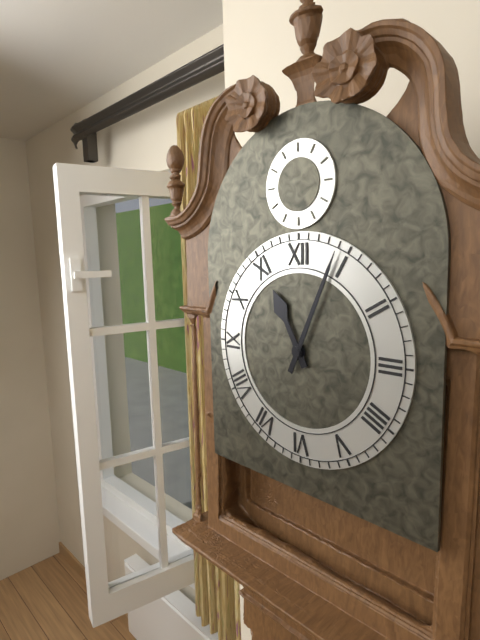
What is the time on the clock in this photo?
11:04
